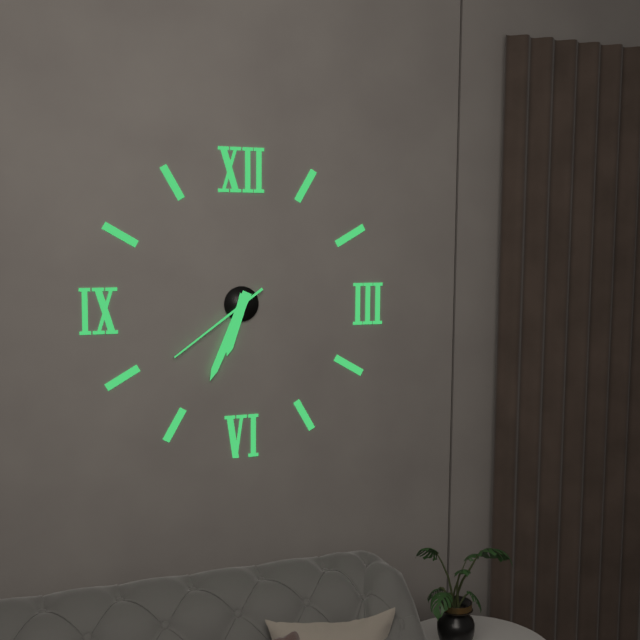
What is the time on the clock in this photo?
6:34:39
